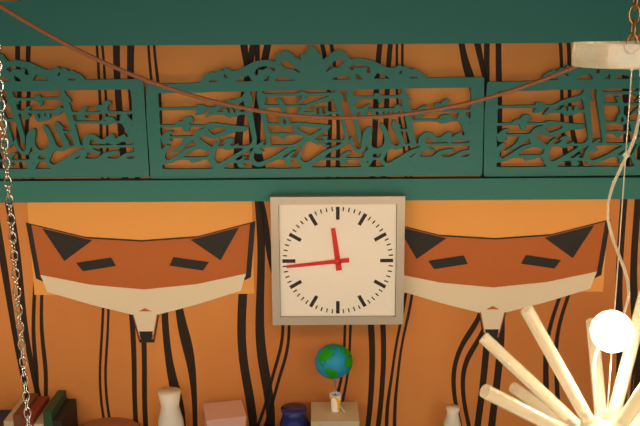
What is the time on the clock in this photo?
11:44
